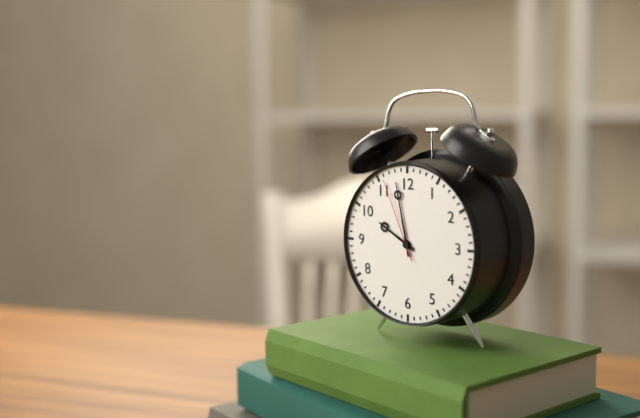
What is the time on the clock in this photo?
9:58:56
